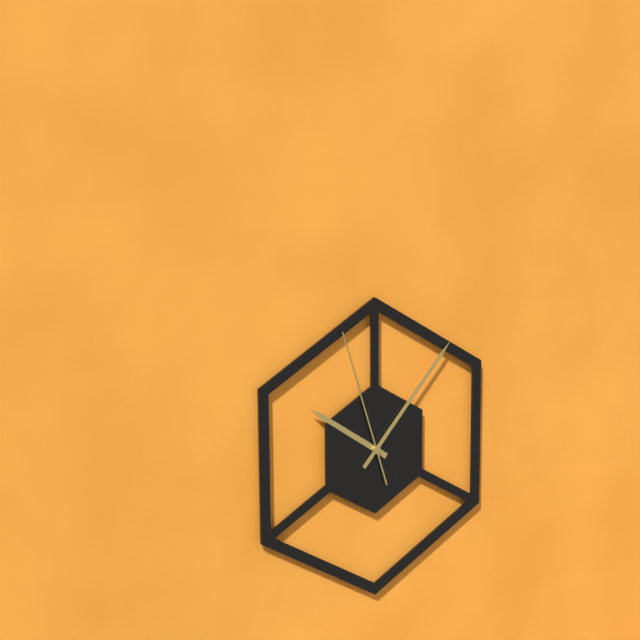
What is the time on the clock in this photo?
10:07:57
